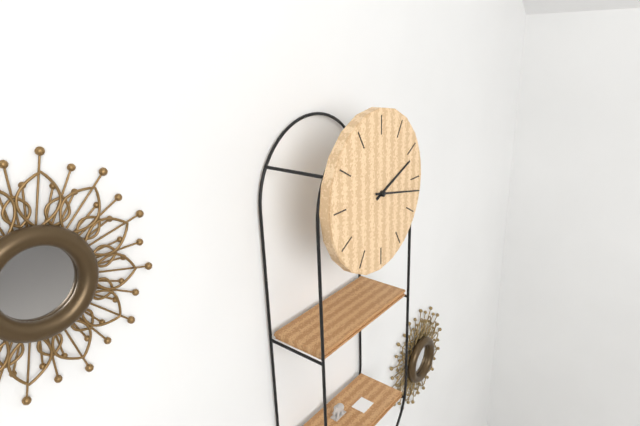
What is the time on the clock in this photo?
2:17
